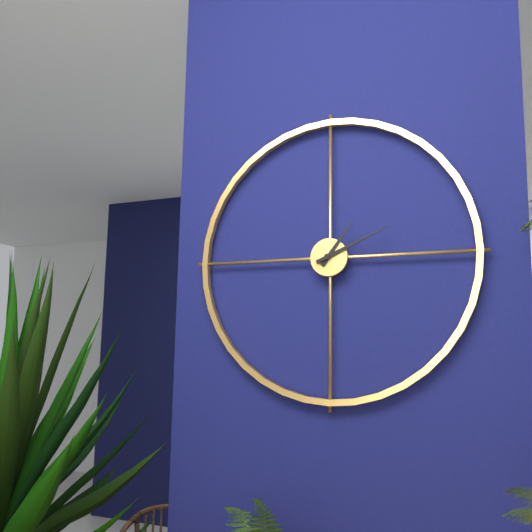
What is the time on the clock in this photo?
1:11
